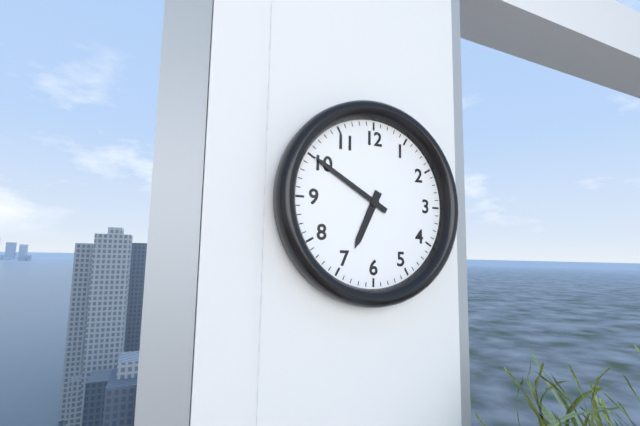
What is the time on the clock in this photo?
6:50
